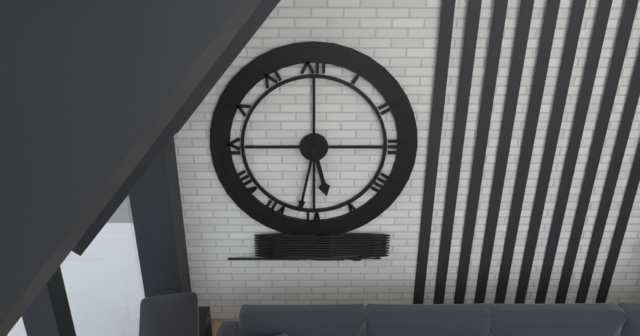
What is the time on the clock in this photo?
5:32
